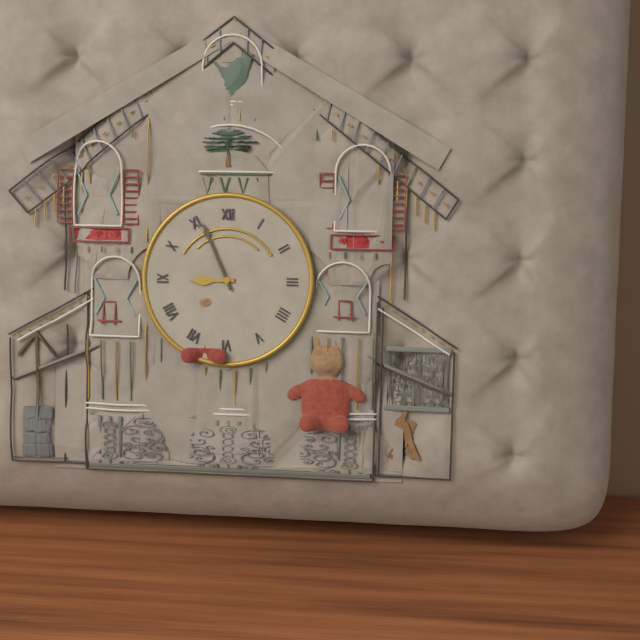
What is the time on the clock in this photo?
8:56
